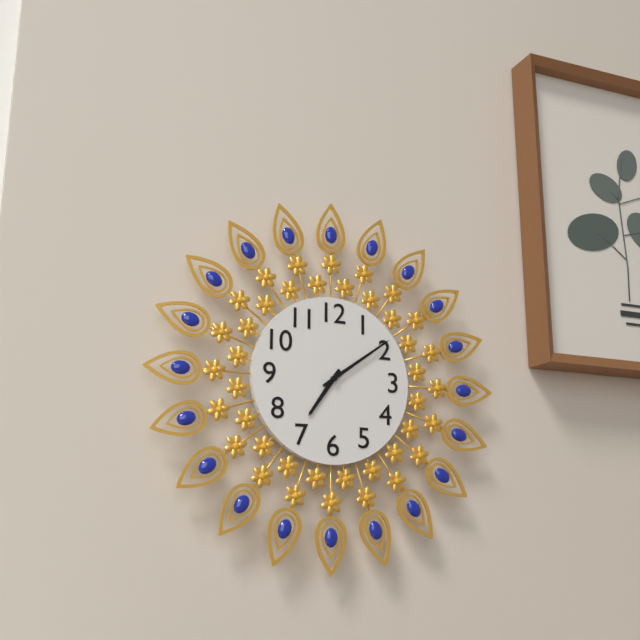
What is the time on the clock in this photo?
7:09
